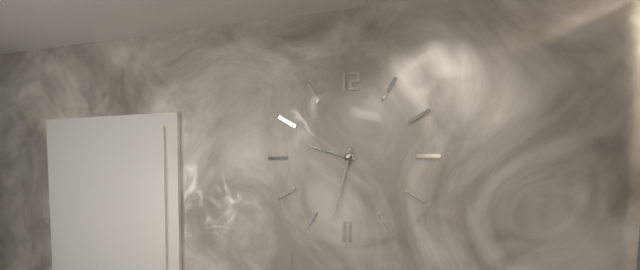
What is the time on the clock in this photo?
9:32
